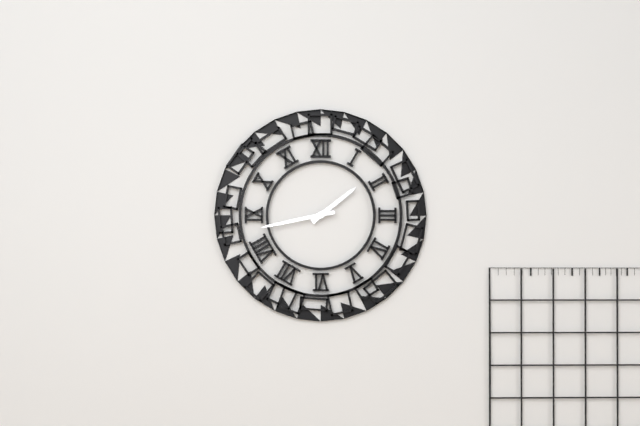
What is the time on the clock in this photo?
1:43
